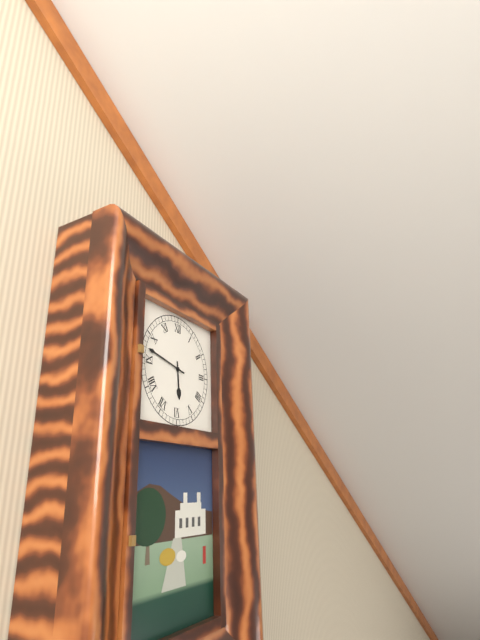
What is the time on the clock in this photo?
5:47
